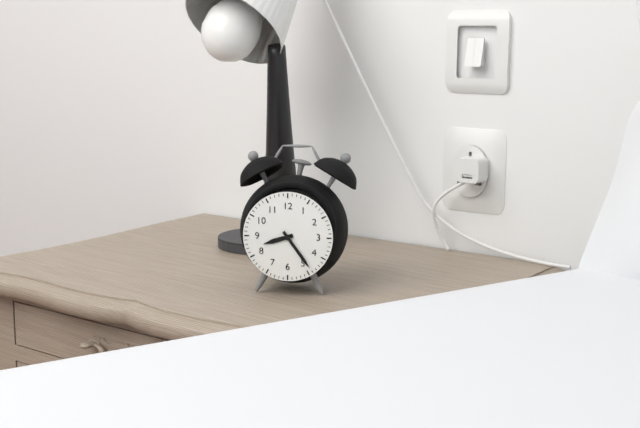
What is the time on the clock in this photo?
8:24
